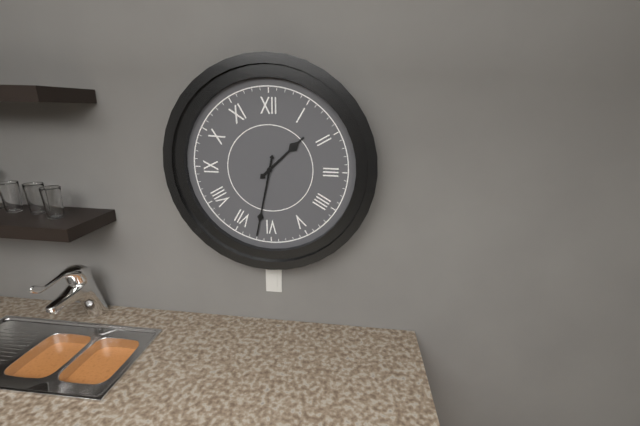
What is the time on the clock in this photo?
1:32
